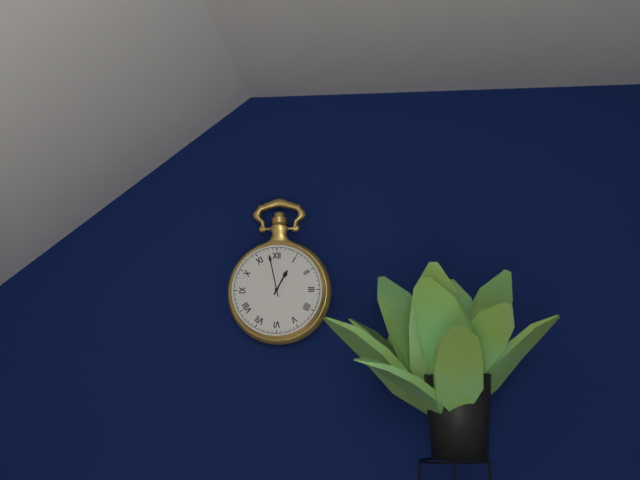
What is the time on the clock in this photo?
12:58
